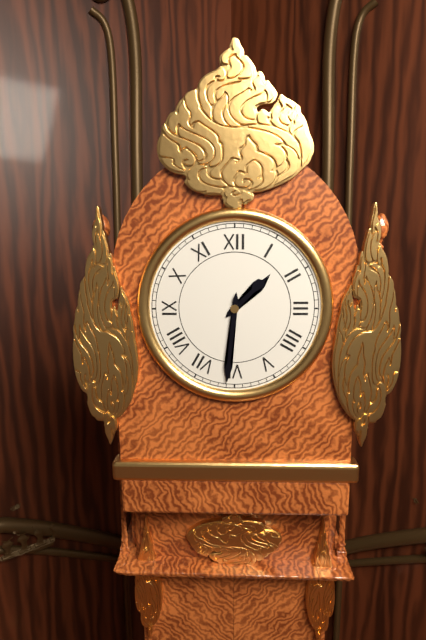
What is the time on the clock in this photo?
1:31
